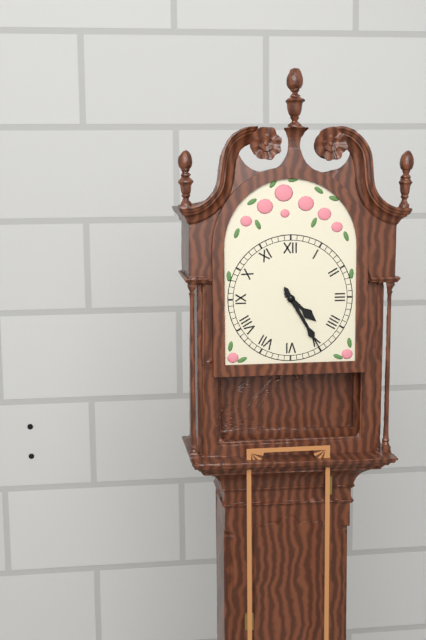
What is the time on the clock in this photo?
4:25
